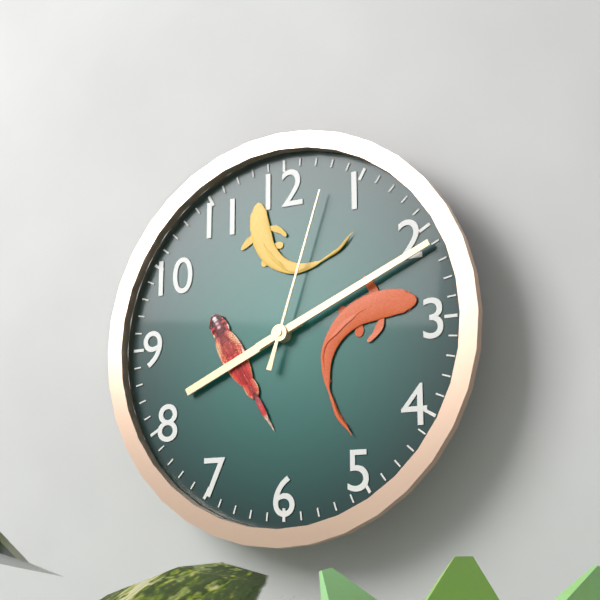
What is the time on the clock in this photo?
8:11:03
